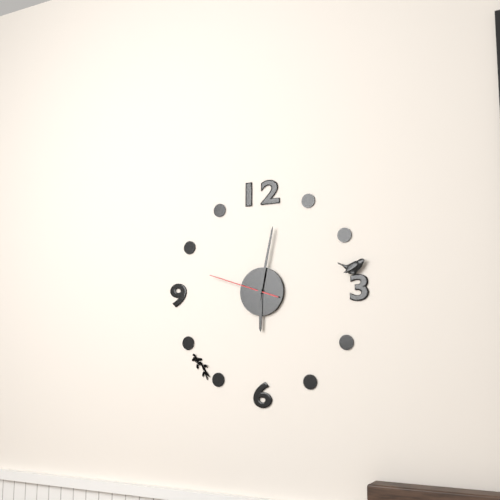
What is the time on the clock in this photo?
6:02:48
